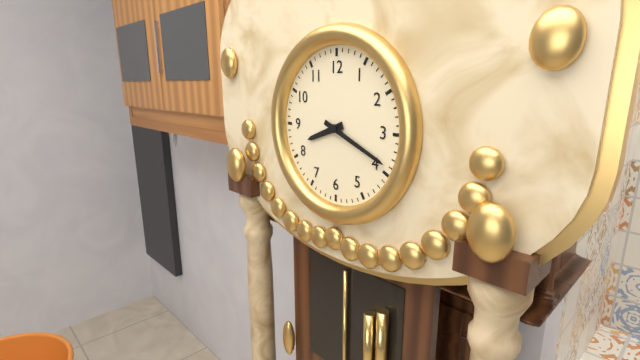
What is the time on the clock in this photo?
8:19
